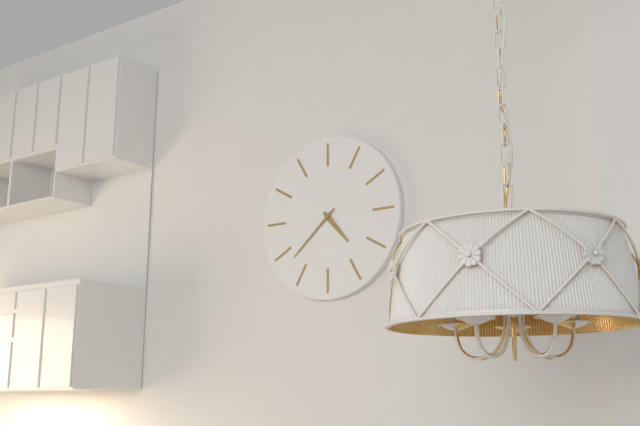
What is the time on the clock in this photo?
4:38
